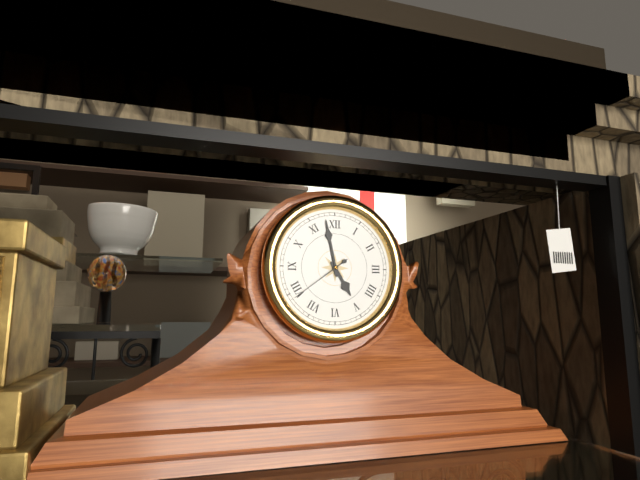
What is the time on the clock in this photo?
4:58:39
